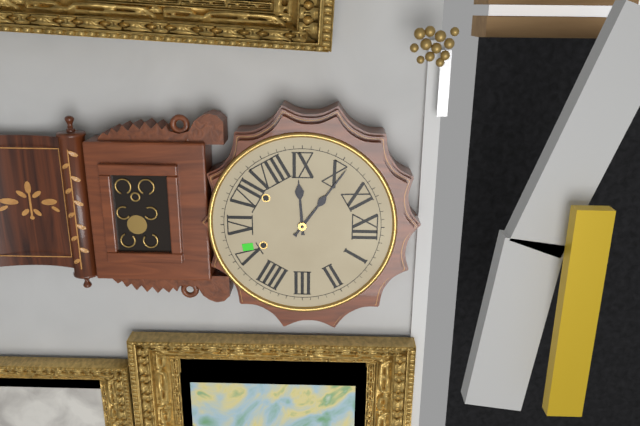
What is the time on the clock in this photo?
8:51
